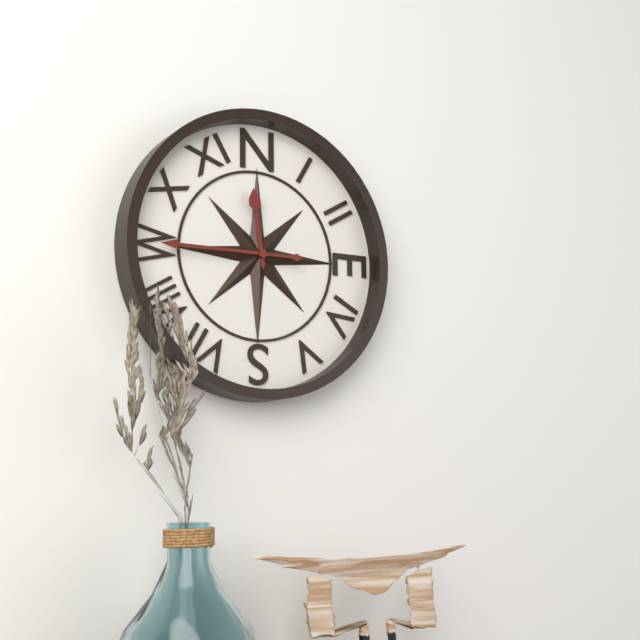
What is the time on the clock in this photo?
11:45
